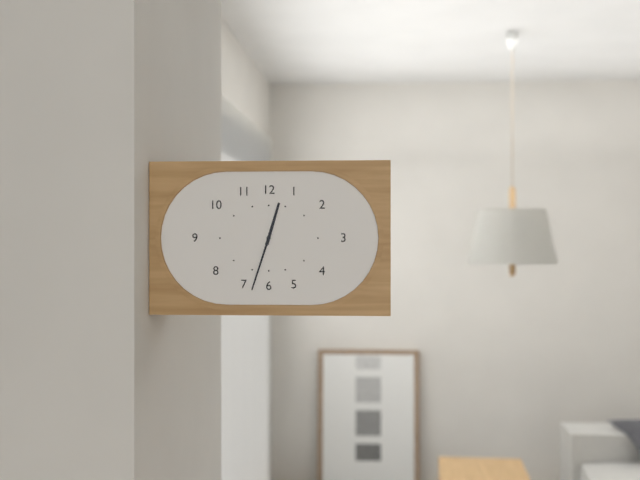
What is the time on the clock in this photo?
12:33
